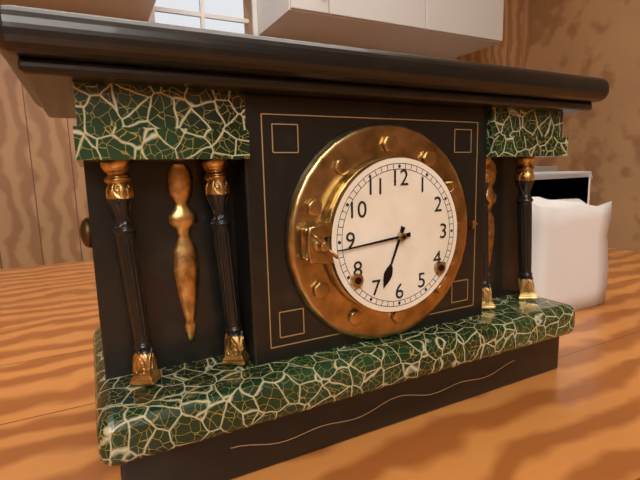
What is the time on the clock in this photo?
6:44
